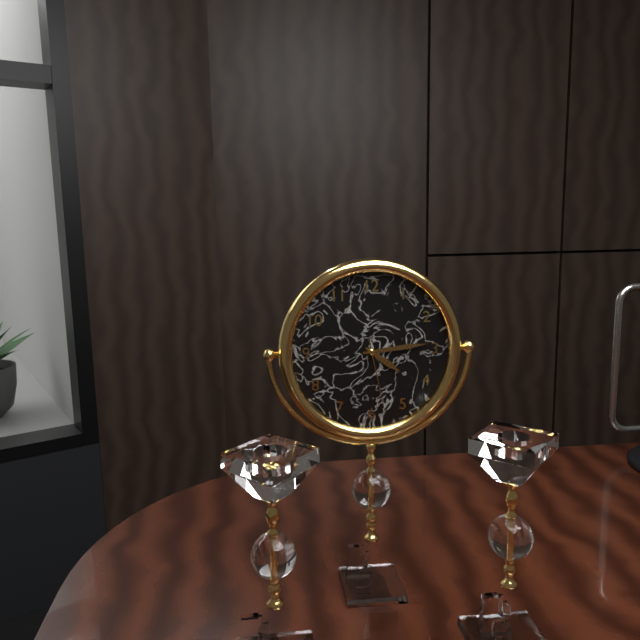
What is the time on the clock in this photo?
4:14:28
